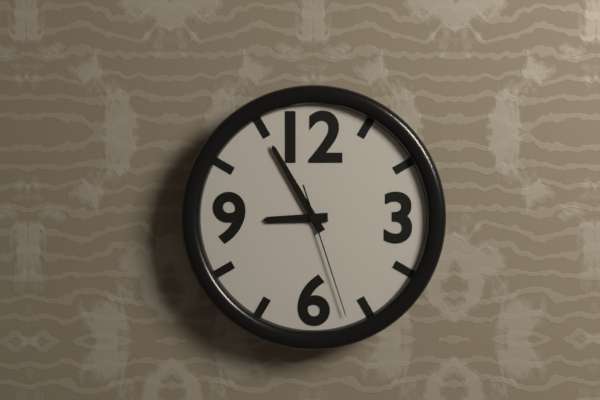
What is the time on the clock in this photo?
8:55:27
